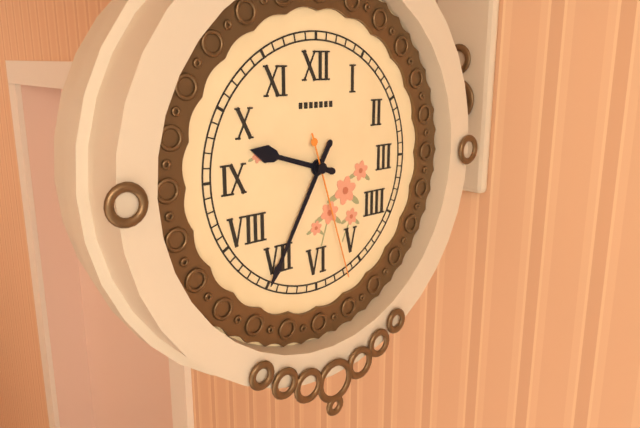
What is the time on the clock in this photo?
9:35:27
